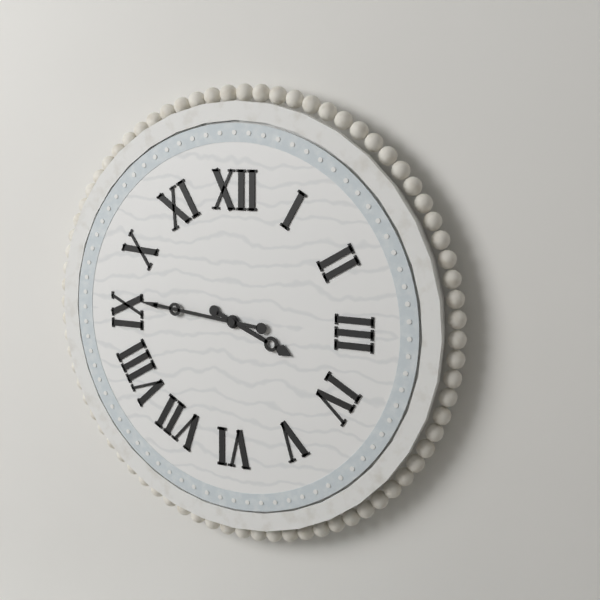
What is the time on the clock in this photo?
3:46
